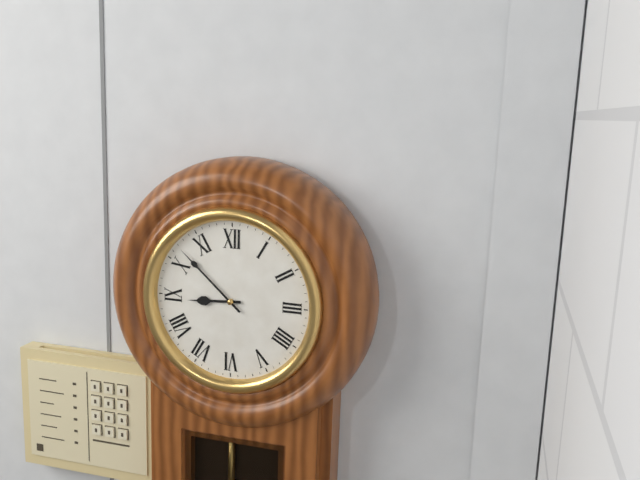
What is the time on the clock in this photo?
8:52
